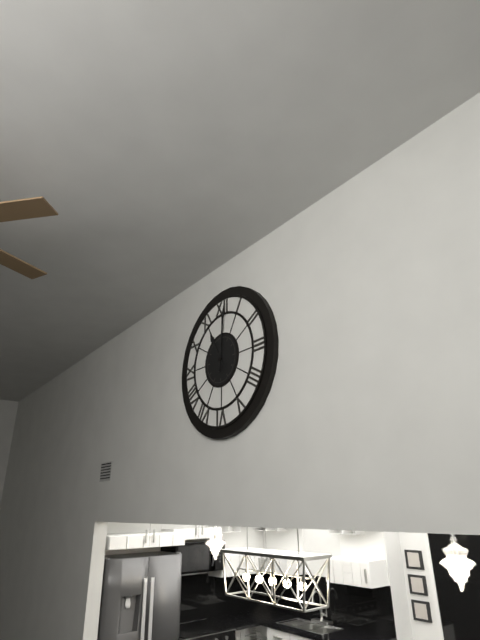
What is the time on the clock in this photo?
11:01
